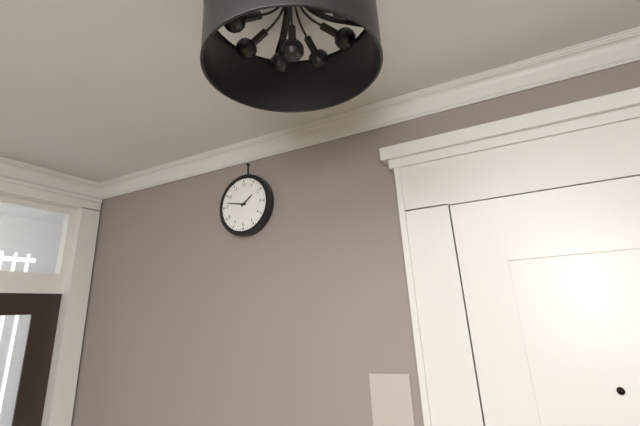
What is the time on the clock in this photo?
1:47
